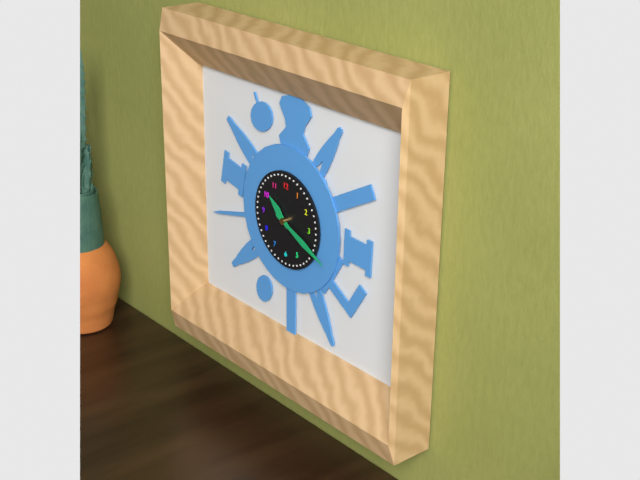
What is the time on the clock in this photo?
10:19
